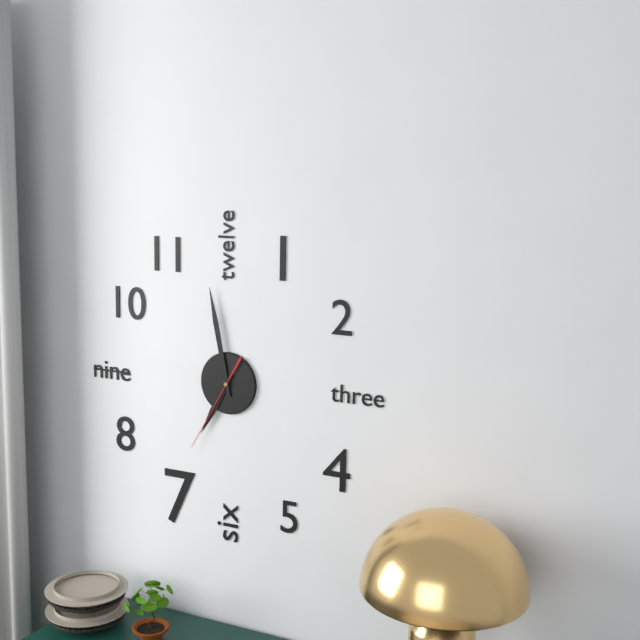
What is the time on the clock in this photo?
6:58:35
